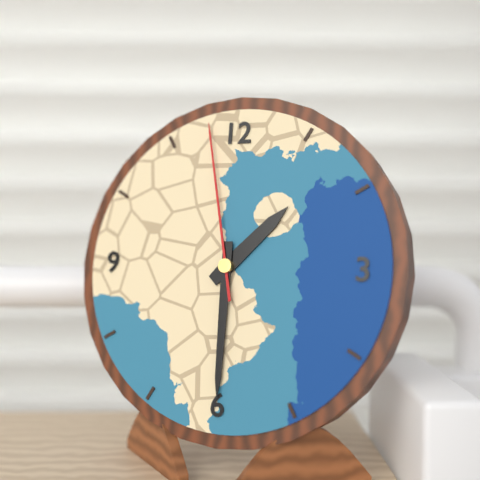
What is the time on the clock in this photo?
1:30:58
